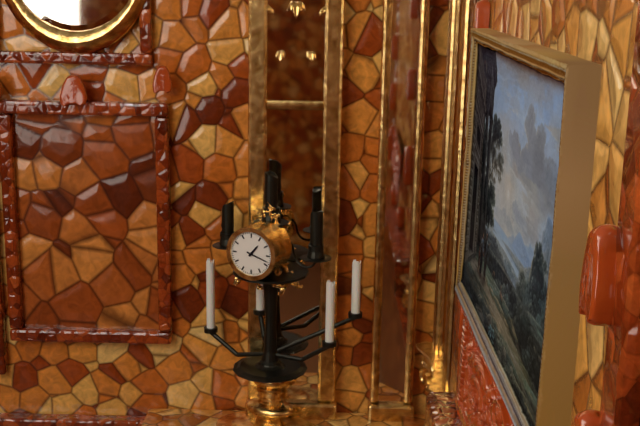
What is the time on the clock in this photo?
1:18
